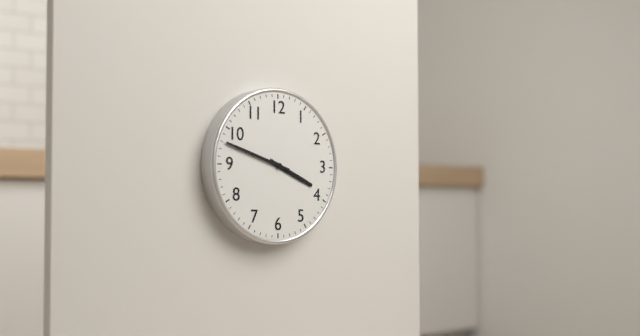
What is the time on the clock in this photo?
3:48
